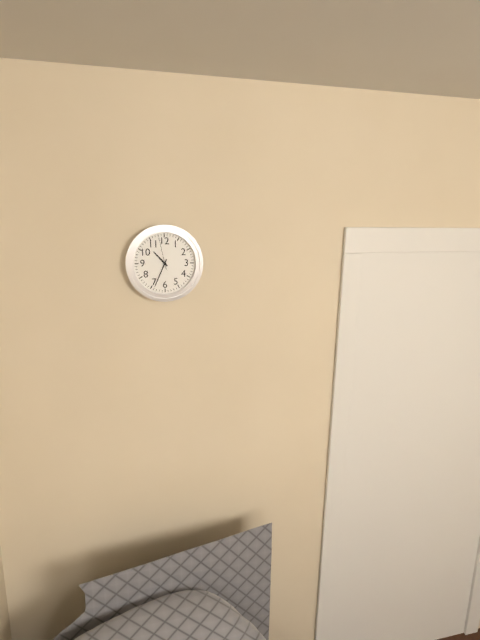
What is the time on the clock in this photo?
10:34
